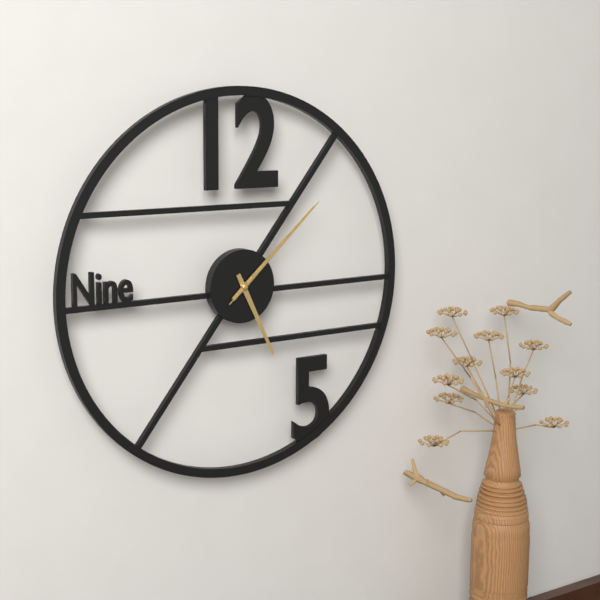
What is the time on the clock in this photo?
5:08:08
